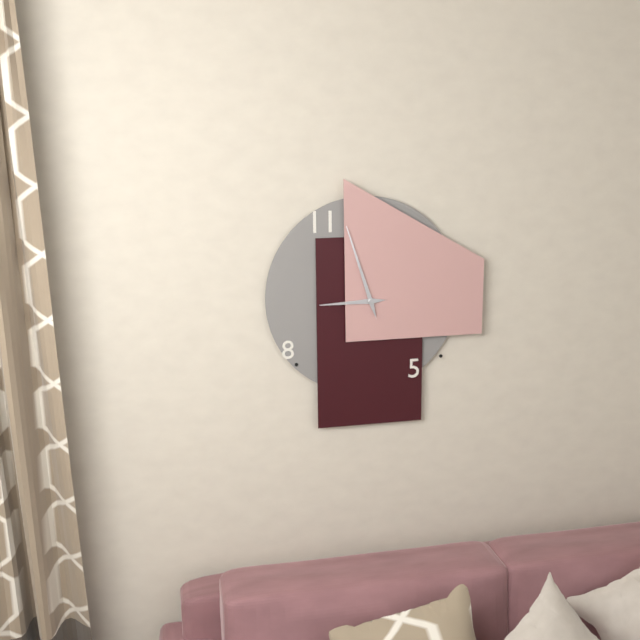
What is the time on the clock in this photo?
8:57:57
